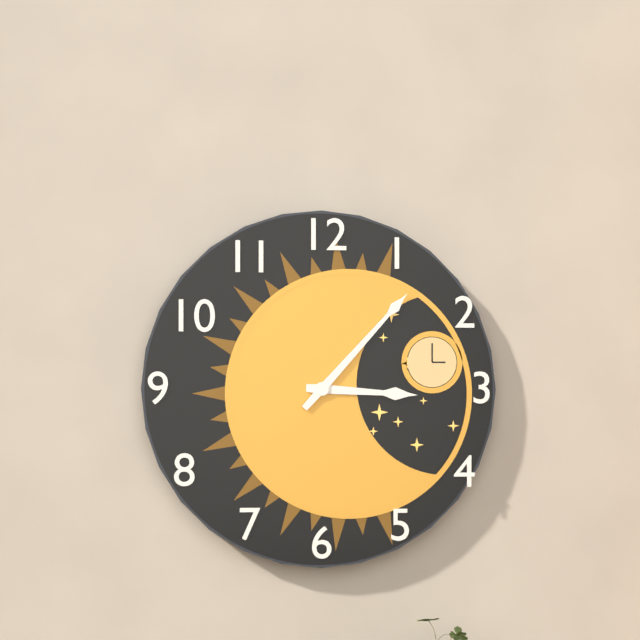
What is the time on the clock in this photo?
3:07
